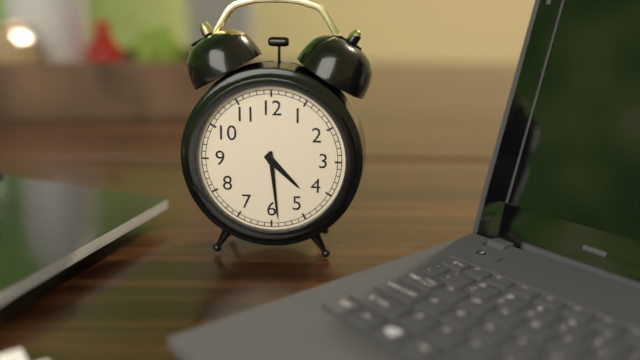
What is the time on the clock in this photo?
4:29
